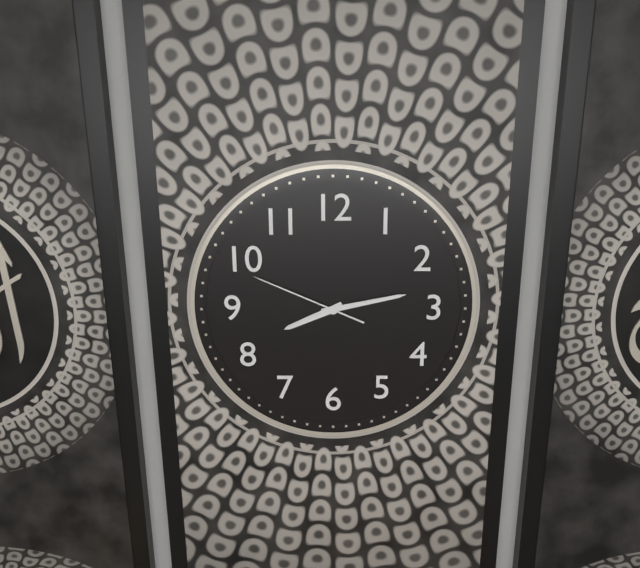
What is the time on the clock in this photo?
8:13:49
